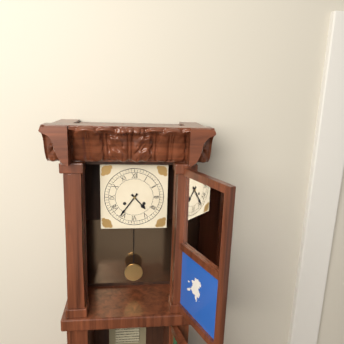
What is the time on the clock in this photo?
4:36
